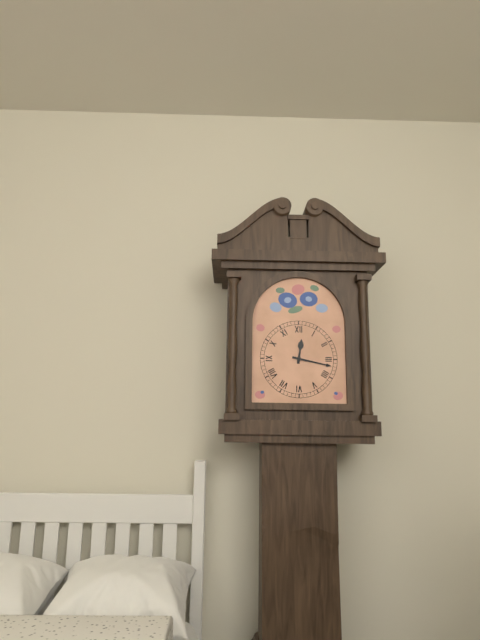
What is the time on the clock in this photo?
12:17
